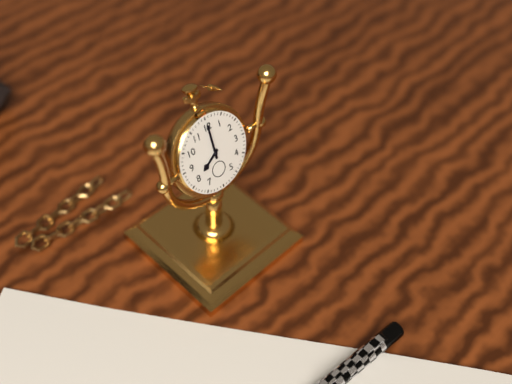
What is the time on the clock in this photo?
8:00
